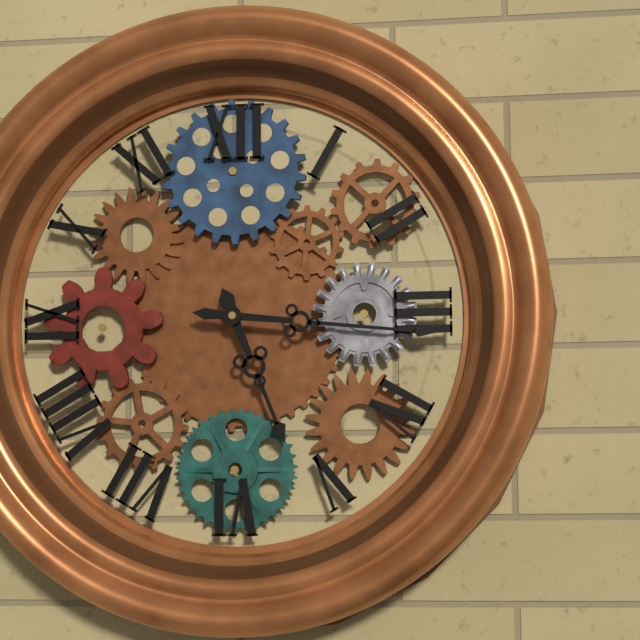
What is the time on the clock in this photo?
5:16
